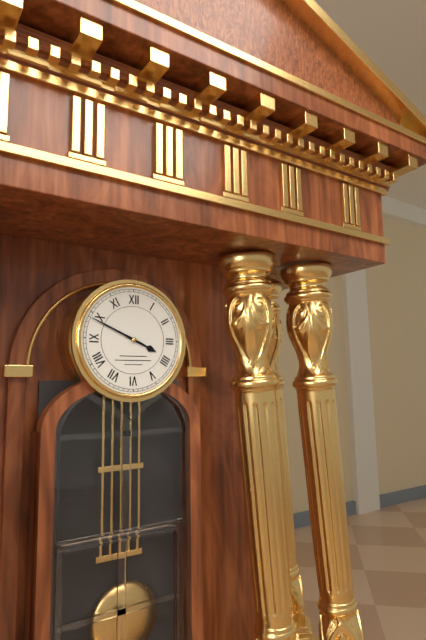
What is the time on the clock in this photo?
3:49
